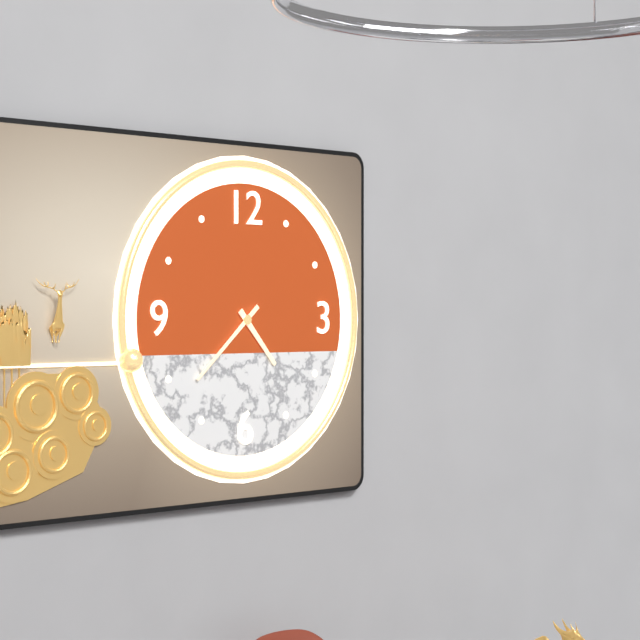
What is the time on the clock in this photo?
4:38
